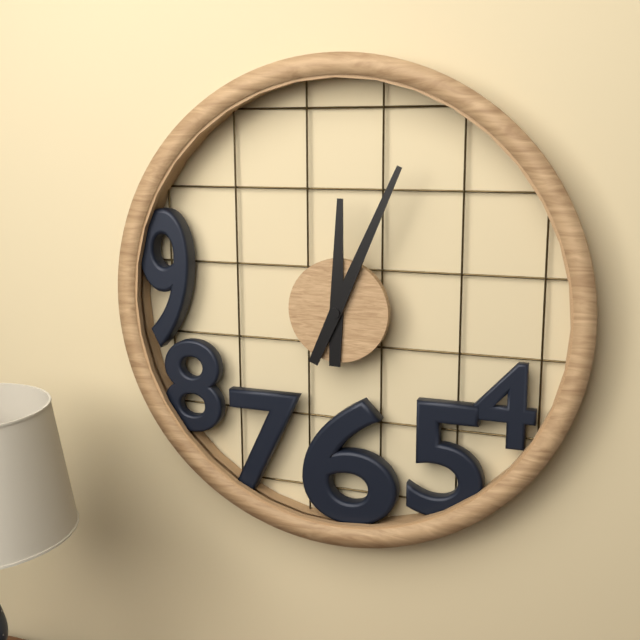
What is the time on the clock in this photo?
12:04
